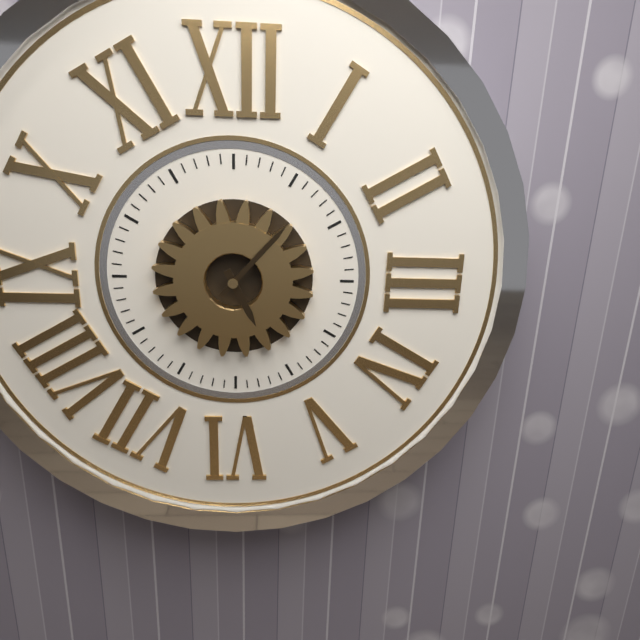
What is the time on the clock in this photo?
5:07
